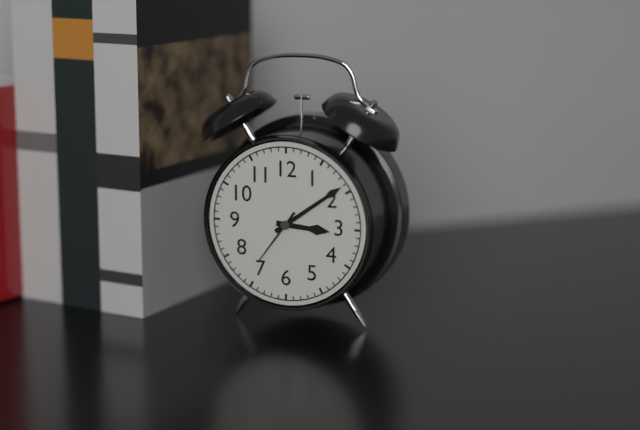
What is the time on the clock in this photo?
3:09:36
